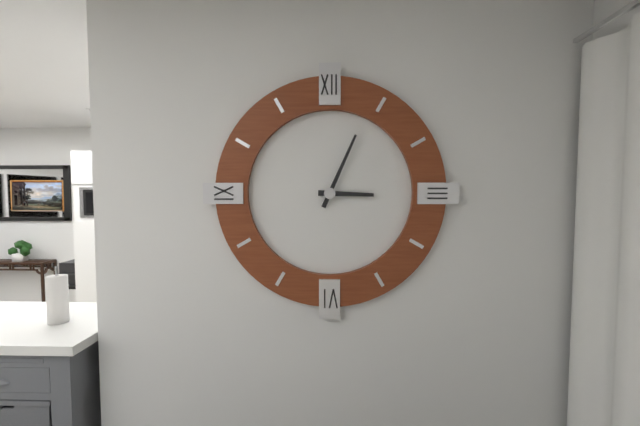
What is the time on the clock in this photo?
3:04
